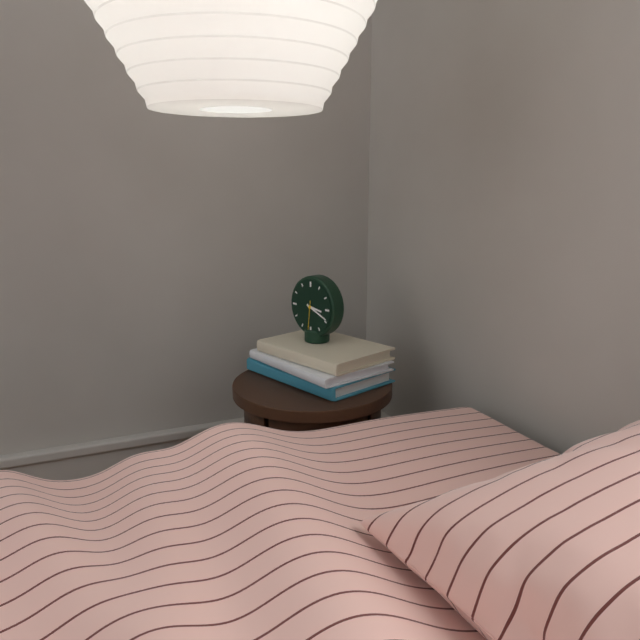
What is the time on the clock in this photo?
3:19
